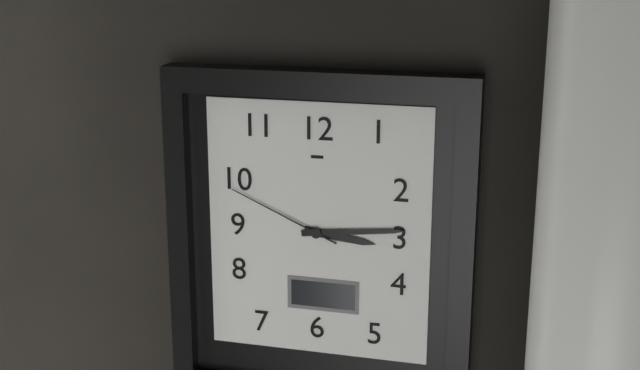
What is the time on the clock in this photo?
3:14:49
